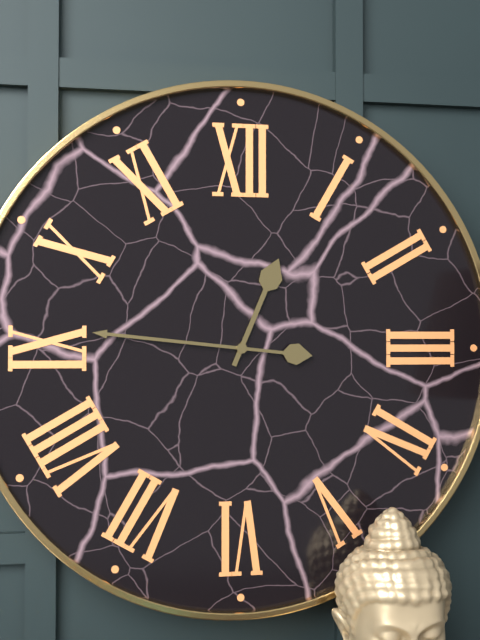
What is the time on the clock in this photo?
12:46
